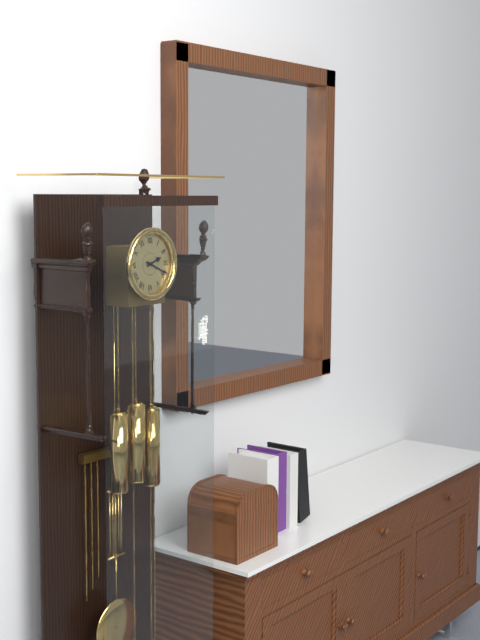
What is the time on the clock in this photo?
2:19
